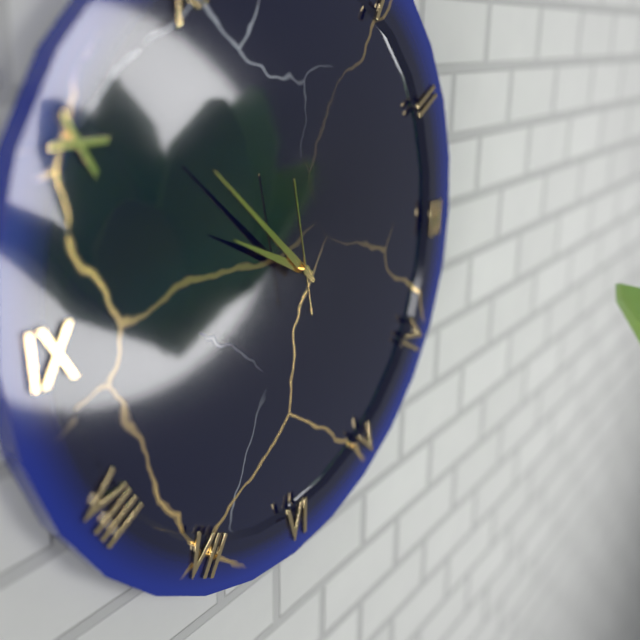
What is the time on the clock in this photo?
9:52:58
